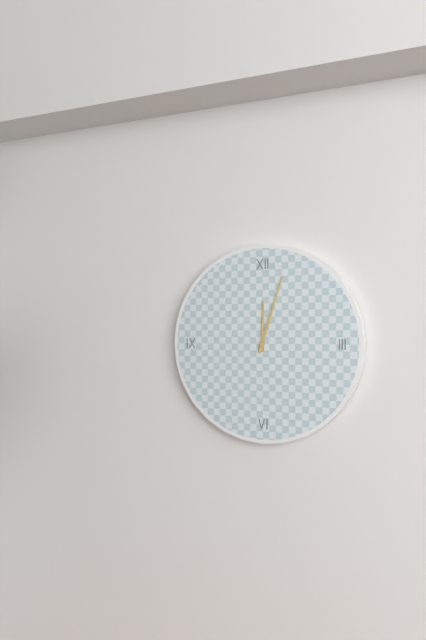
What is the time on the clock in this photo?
12:03
